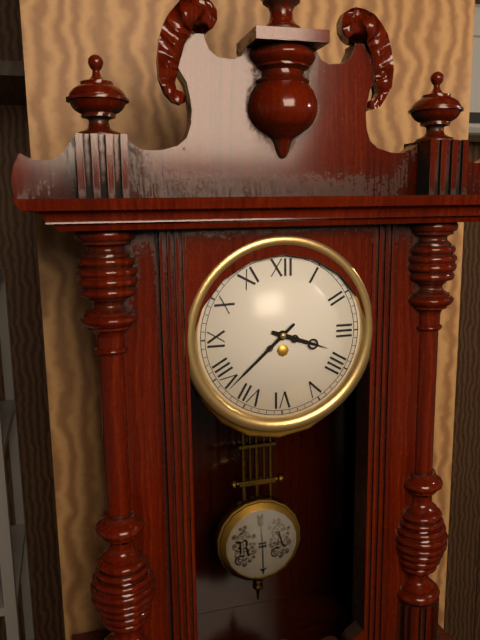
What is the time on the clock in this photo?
3:38
